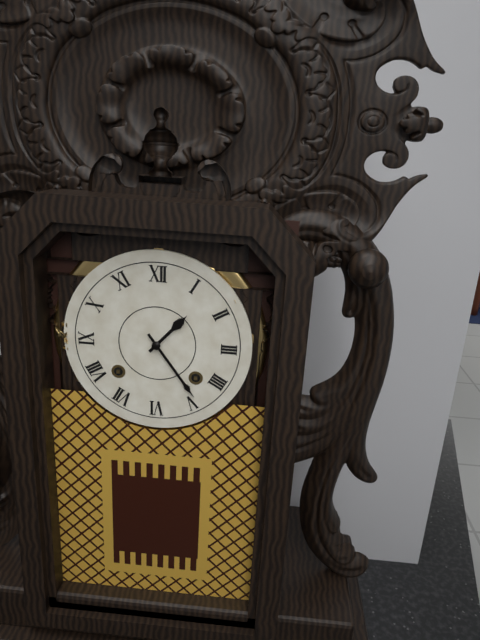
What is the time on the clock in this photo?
1:24
